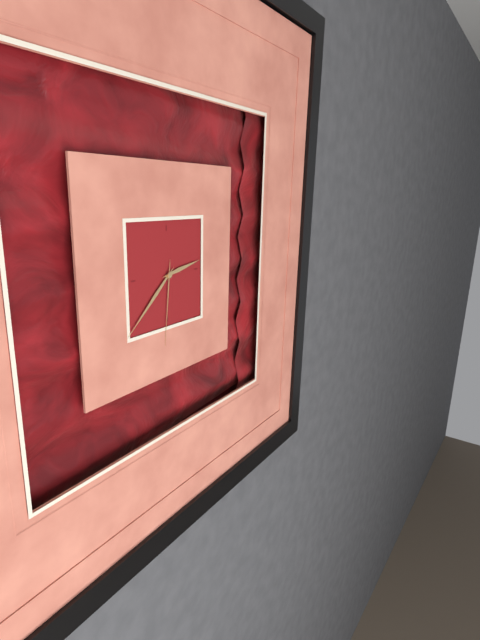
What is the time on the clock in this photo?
2:38:31
